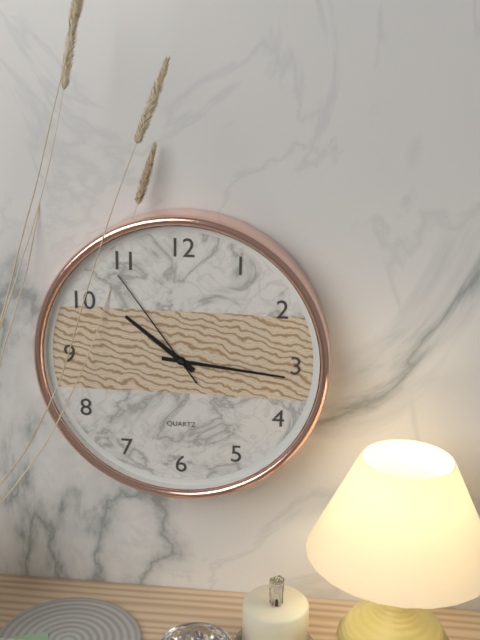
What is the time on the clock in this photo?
10:16:54
